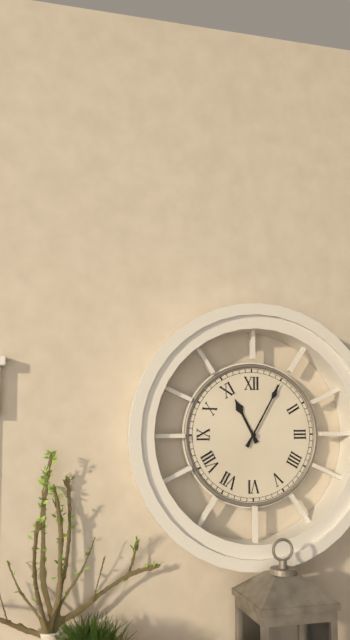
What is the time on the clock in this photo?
11:05
